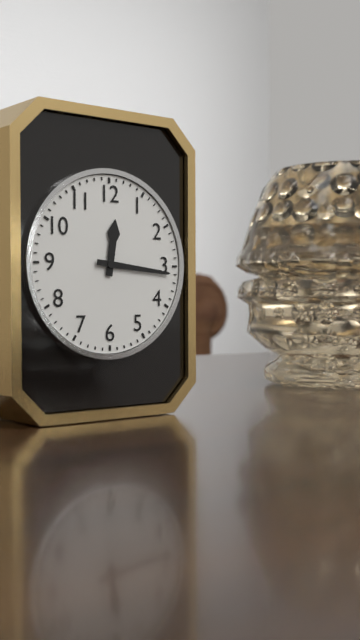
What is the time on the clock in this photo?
12:16
